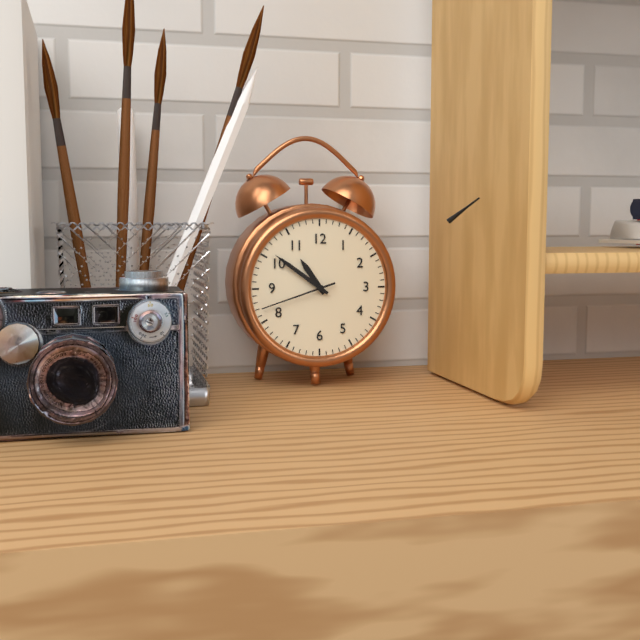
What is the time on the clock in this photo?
10:51:42
